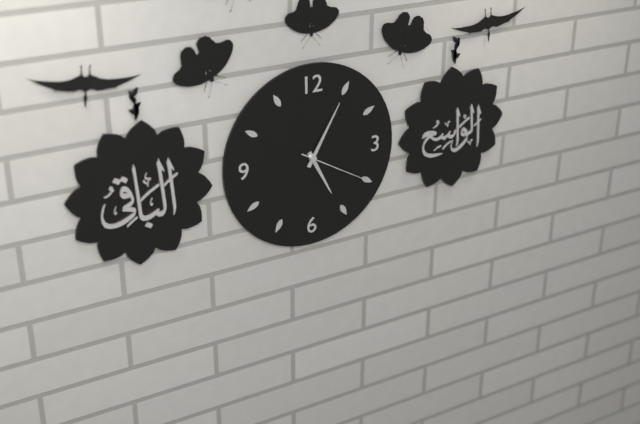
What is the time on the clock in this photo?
5:05:20
